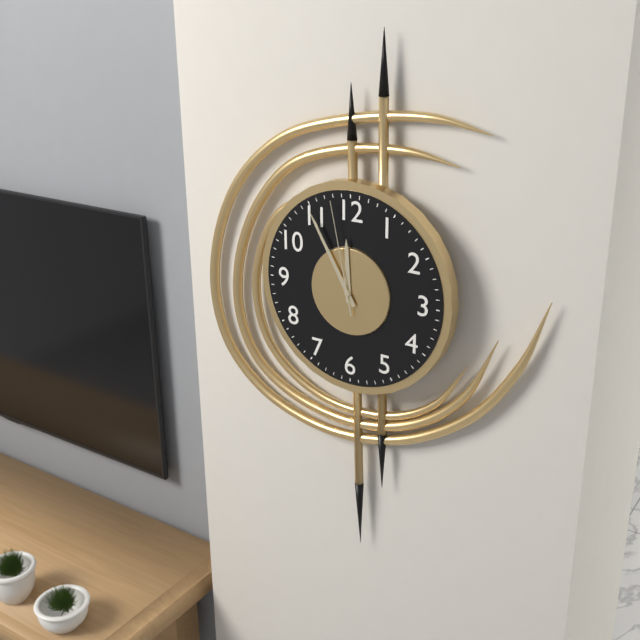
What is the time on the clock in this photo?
11:55:58
